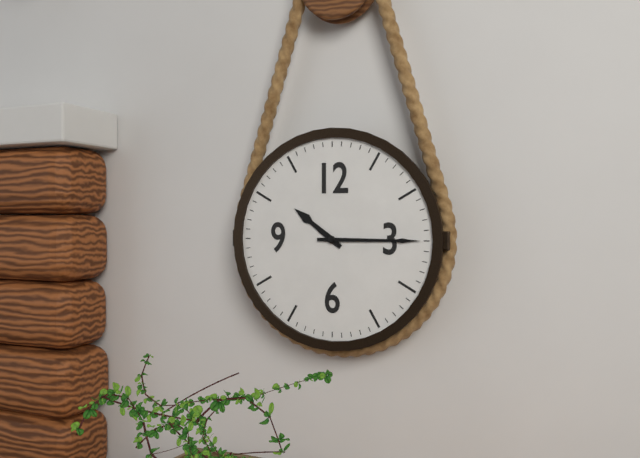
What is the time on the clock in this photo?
10:15
